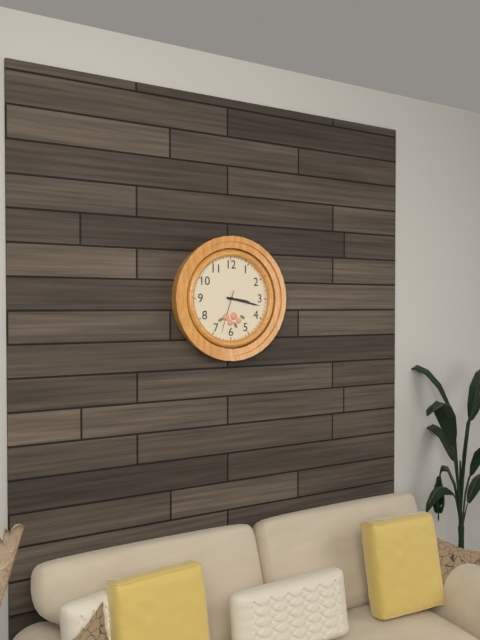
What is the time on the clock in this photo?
3:17
